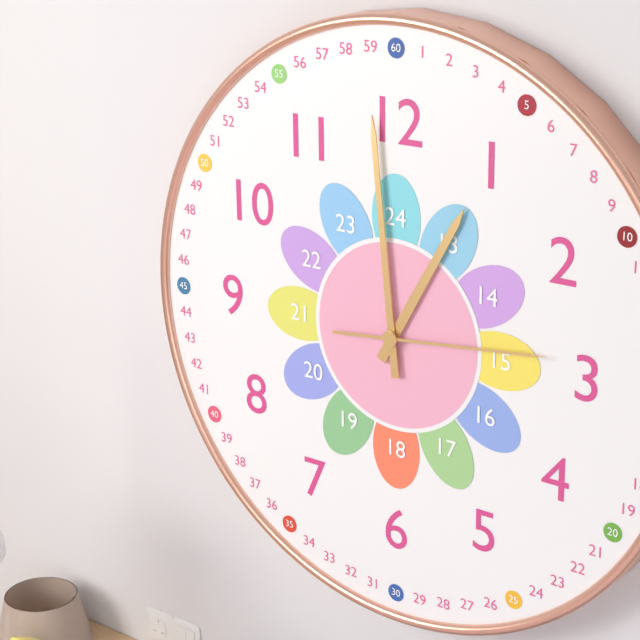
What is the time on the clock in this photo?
12:59:14
